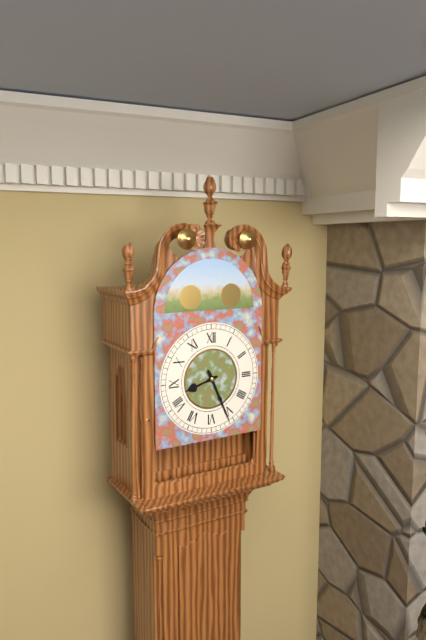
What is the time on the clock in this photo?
8:26
